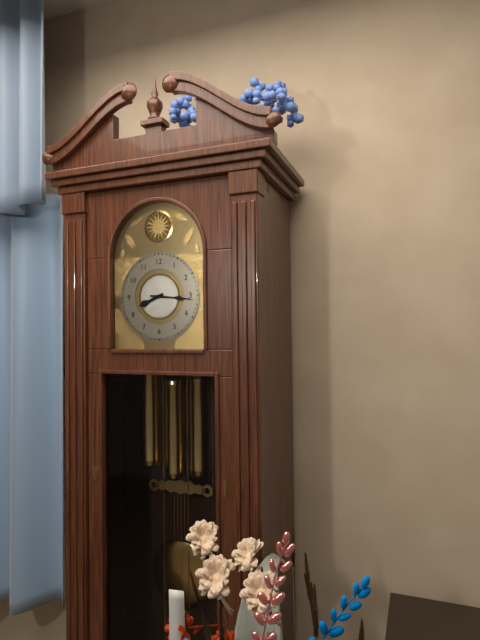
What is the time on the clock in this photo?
8:16
